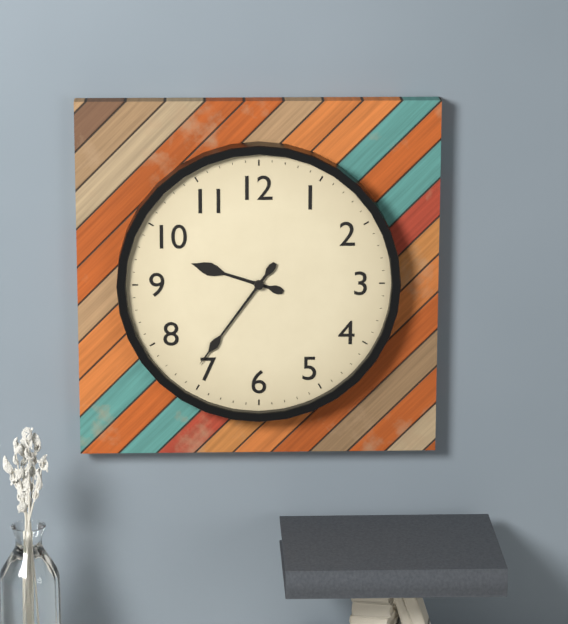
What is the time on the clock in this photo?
9:36
